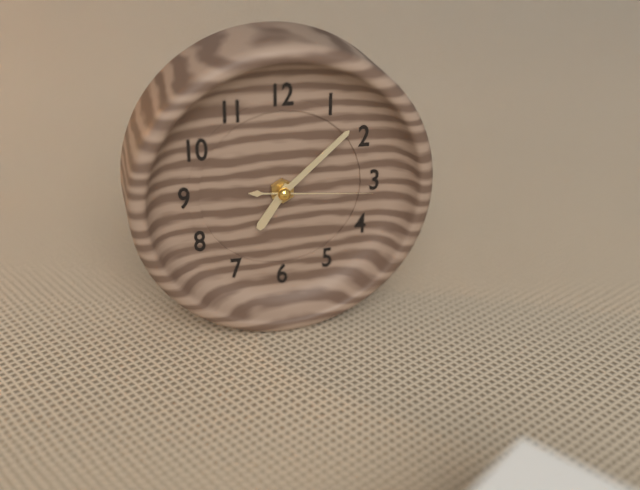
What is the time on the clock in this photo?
7:08:16
